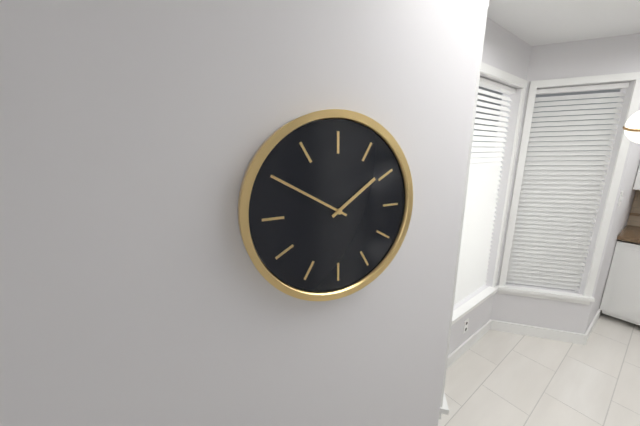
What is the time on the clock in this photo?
1:50
